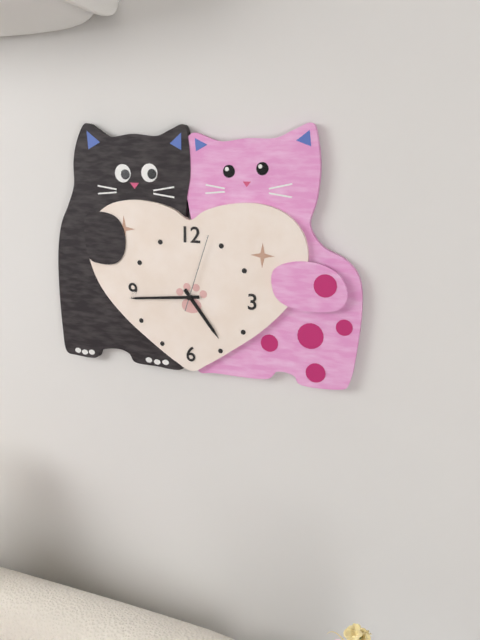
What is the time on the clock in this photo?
4:44:03
